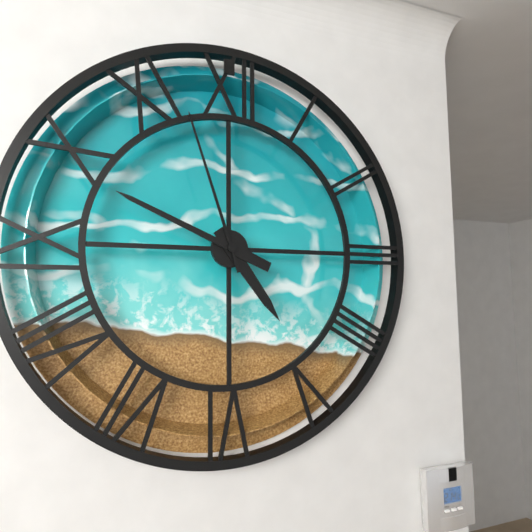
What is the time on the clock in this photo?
4:49:57
